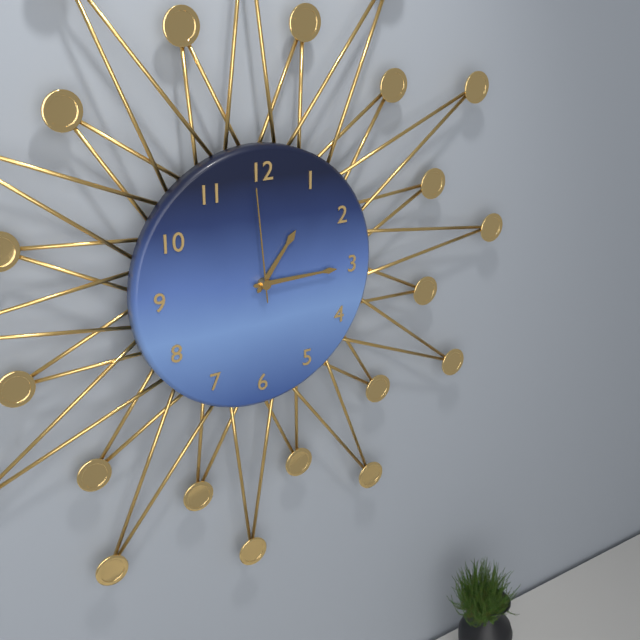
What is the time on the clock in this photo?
1:15:59
